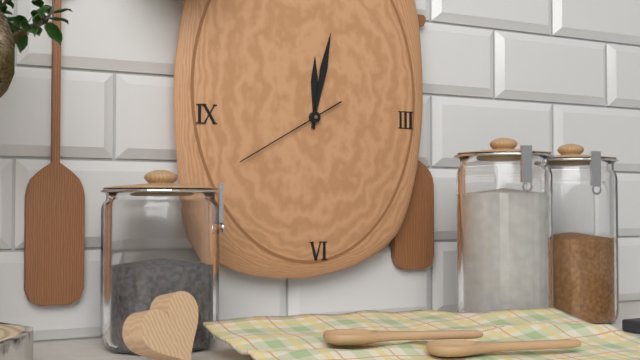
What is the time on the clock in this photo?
12:02:40
